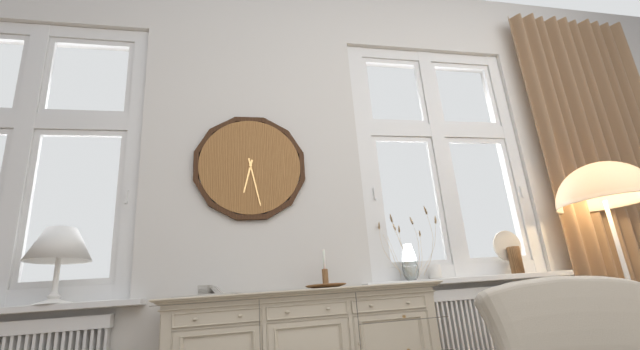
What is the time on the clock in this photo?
6:28
